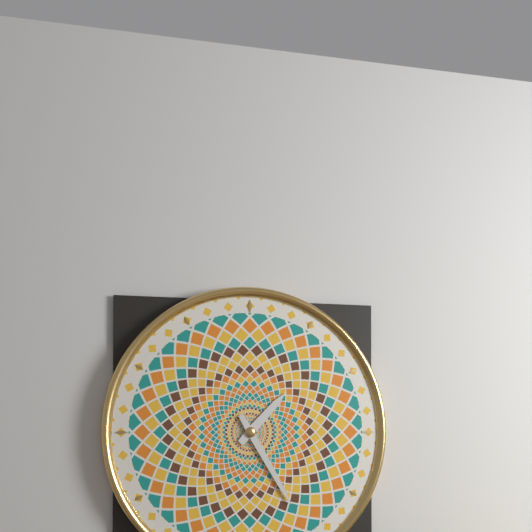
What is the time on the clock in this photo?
1:25
